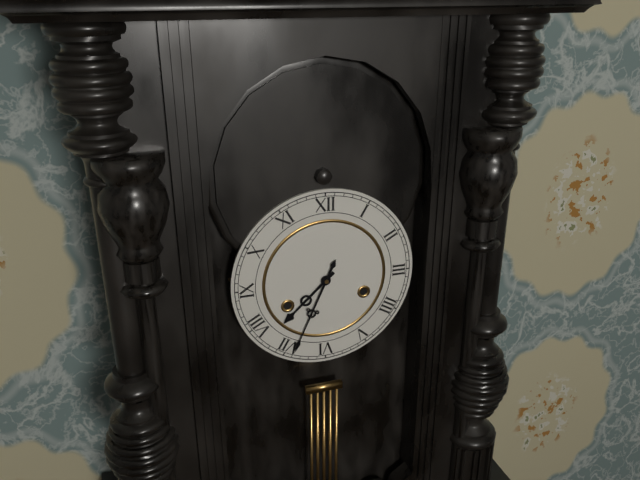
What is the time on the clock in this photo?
7:34
